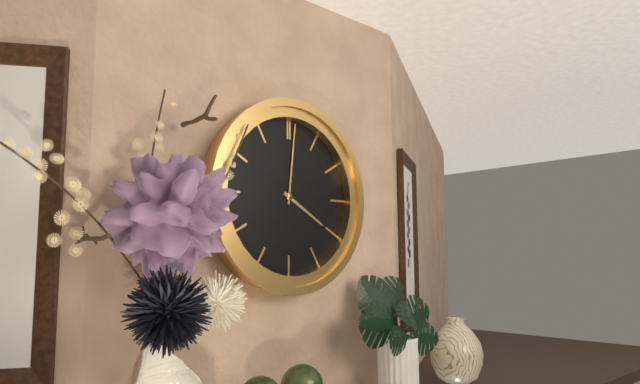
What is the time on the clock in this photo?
4:01
